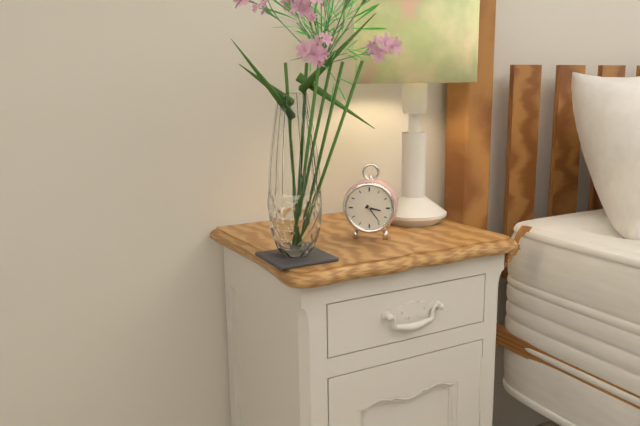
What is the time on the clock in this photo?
3:24
